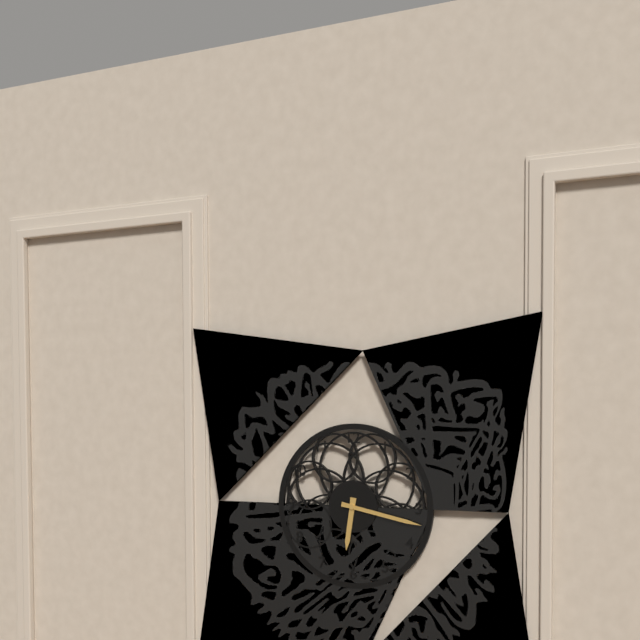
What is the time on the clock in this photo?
6:17
